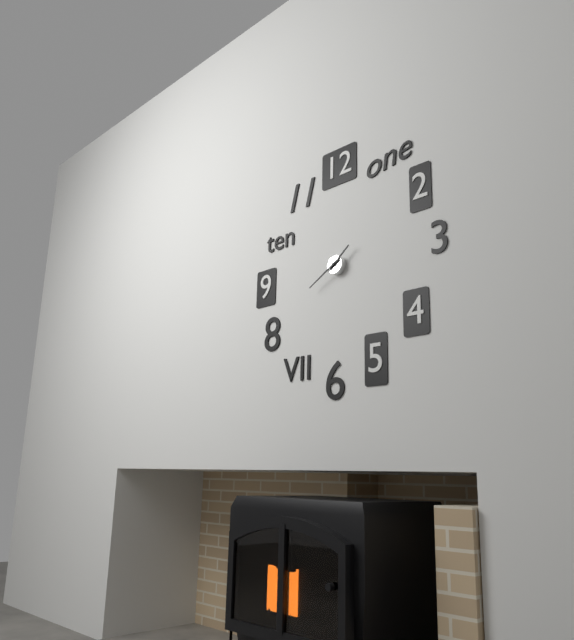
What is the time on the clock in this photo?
1:40
